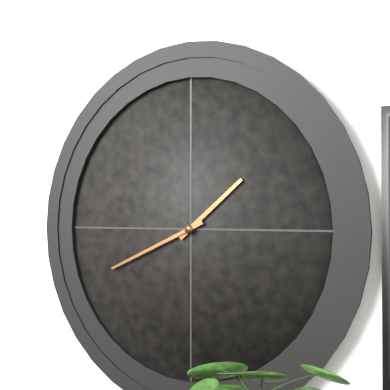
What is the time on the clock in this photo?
1:41
